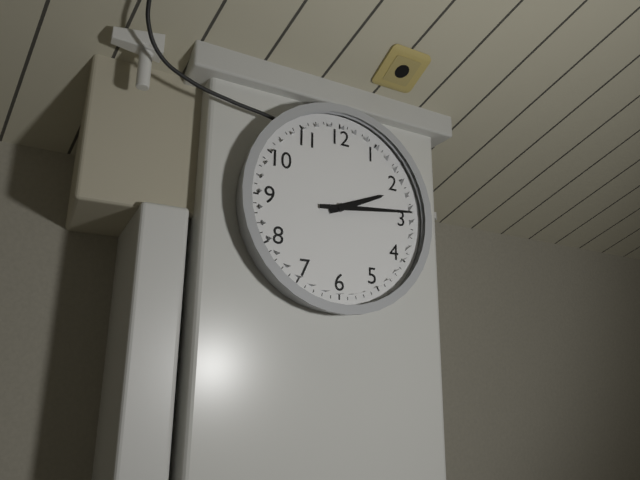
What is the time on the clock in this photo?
2:14
